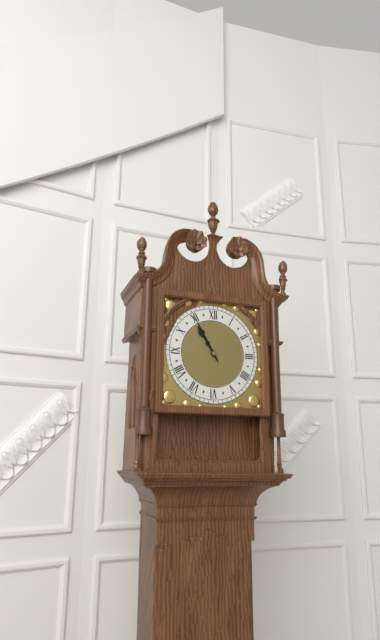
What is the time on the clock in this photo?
10:55
